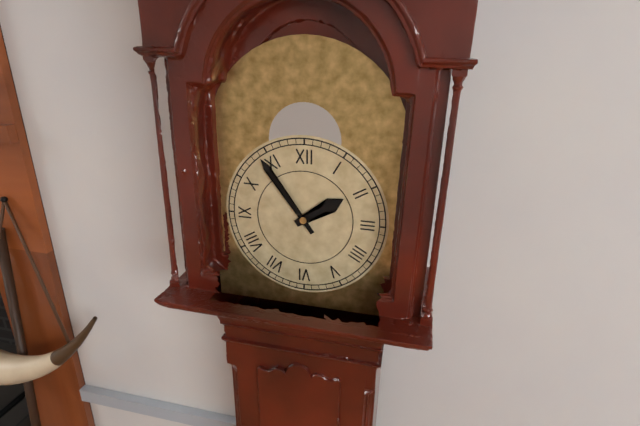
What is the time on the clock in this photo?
1:54
